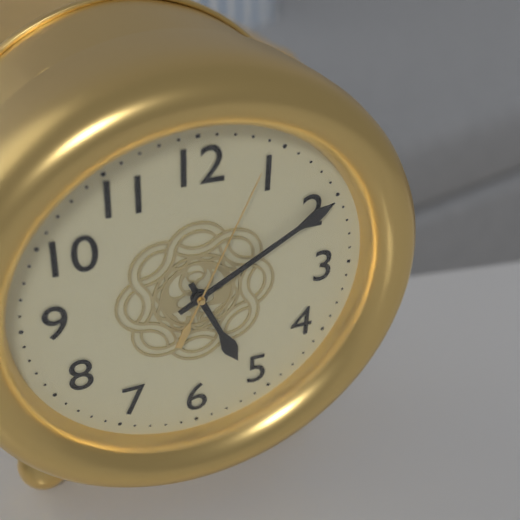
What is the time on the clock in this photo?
5:10:04
